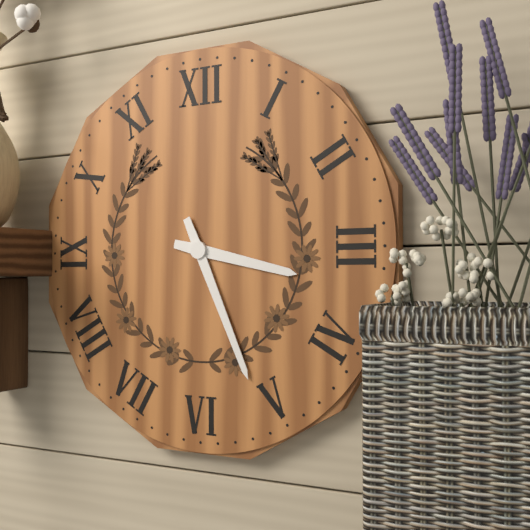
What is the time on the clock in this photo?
3:26
